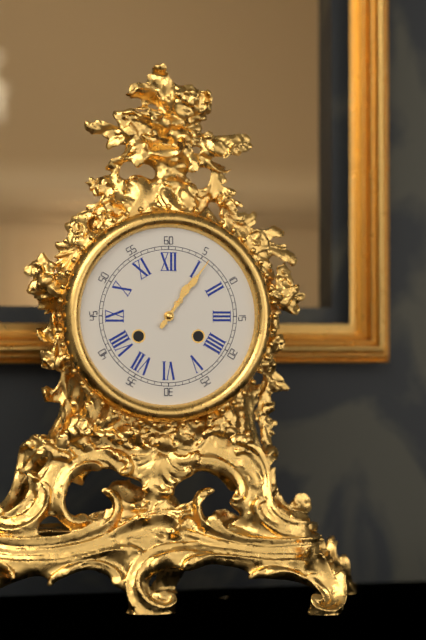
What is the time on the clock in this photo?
1:06
